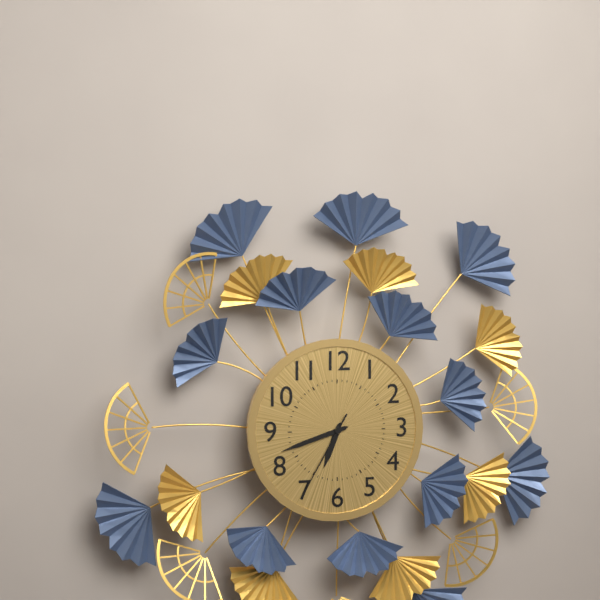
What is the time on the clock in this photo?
6:42:35
